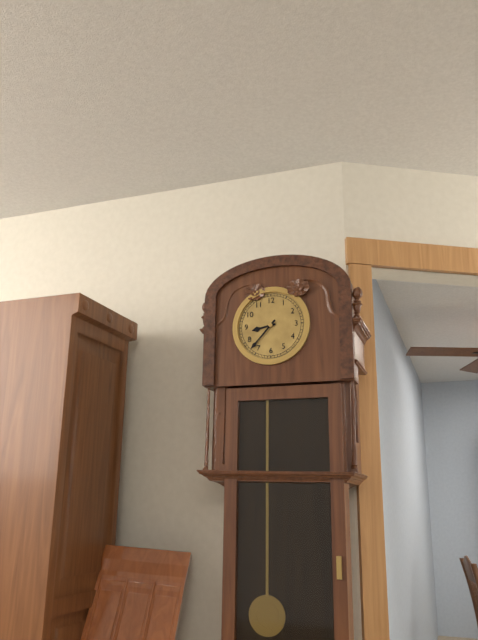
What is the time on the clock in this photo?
8:37
